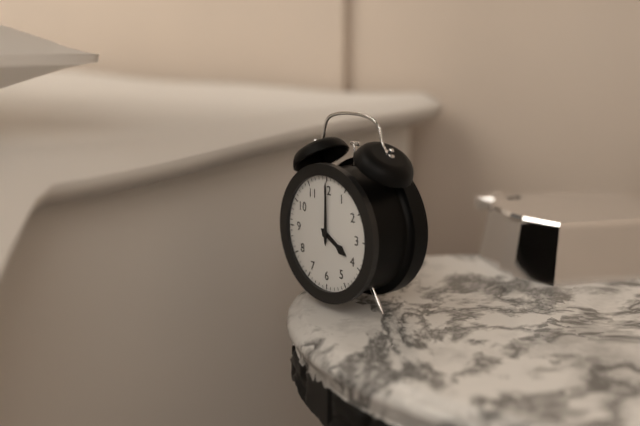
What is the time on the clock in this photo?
4:00
